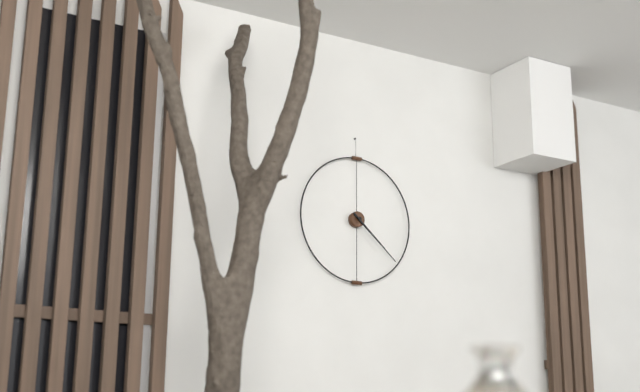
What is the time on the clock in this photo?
4:22
